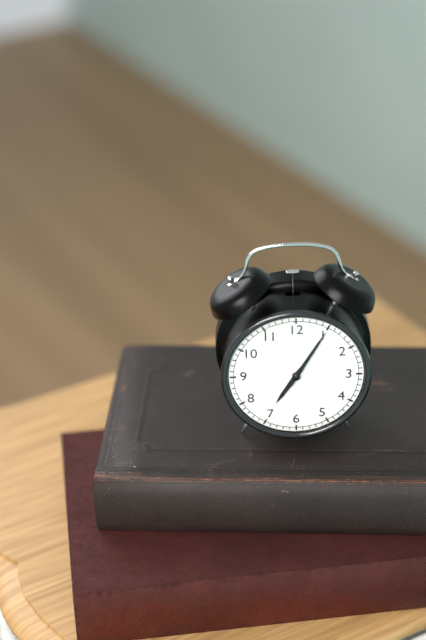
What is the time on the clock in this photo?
7:05
